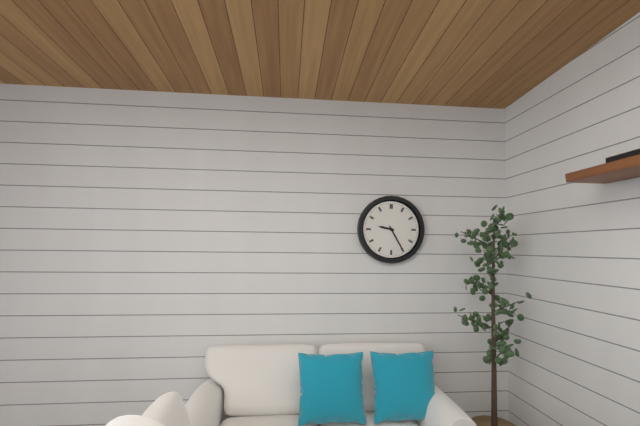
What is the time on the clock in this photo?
9:25
